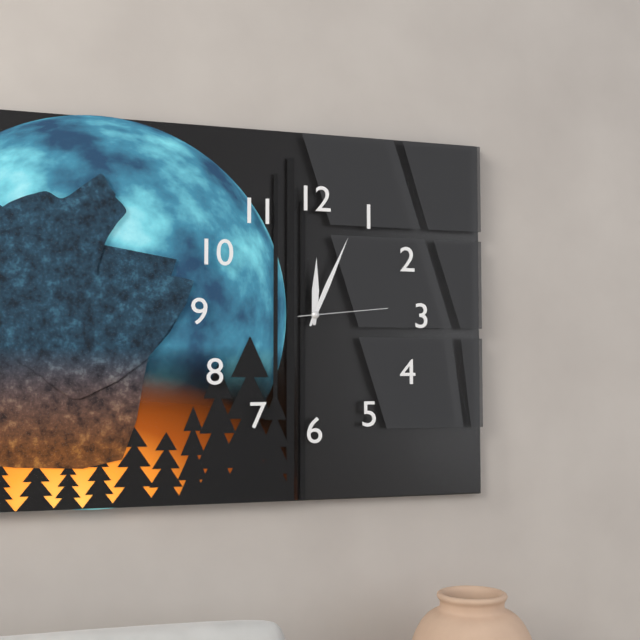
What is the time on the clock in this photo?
12:04:14
